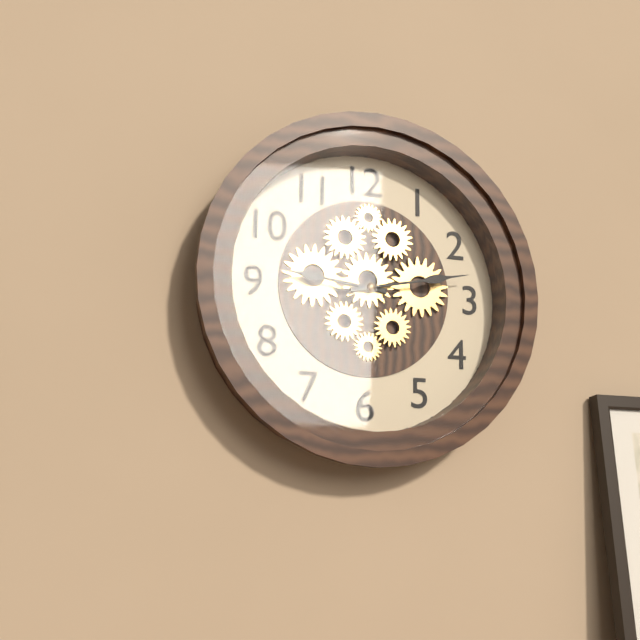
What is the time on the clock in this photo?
9:13
